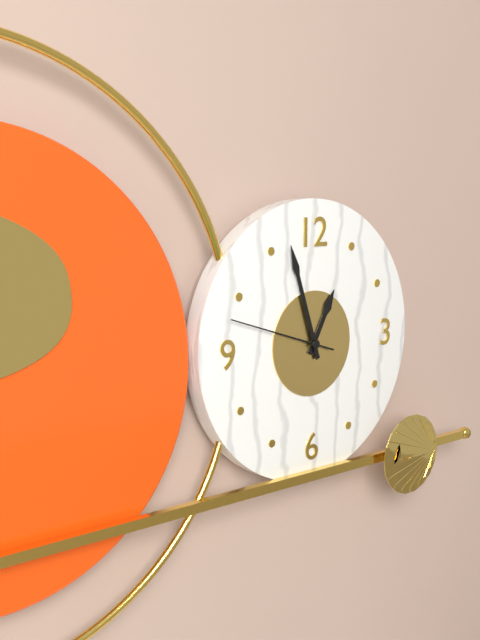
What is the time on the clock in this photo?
12:57:48
